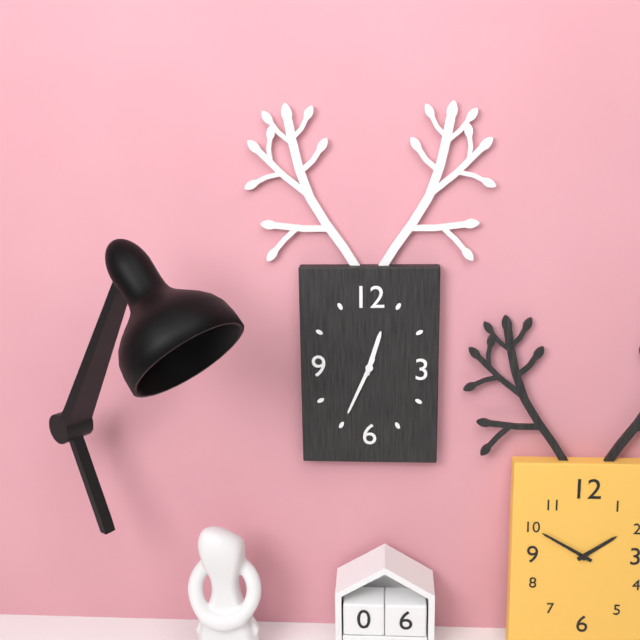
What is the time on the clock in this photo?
12:34
